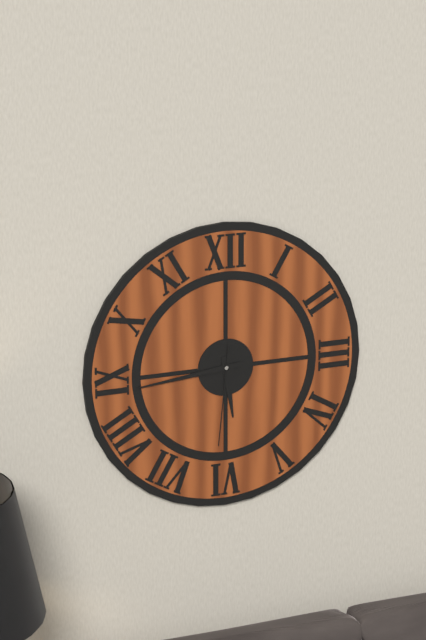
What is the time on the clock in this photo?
5:44:31
